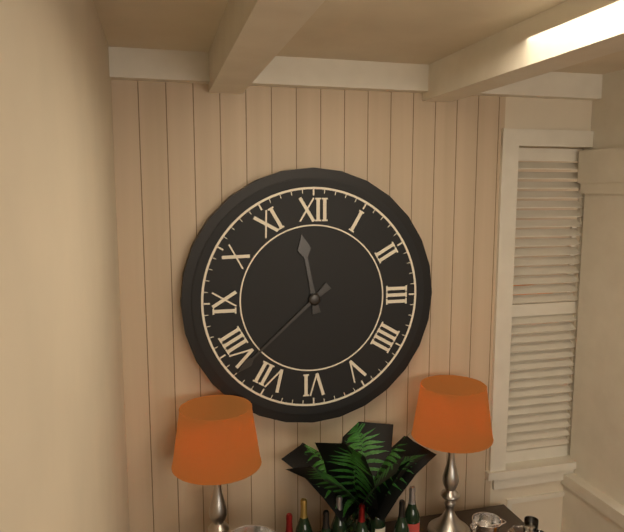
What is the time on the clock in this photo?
11:38
